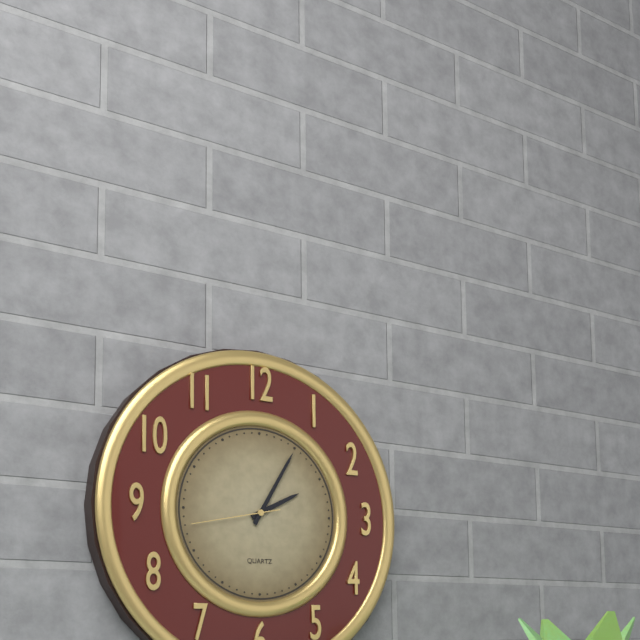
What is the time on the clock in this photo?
2:05:43
